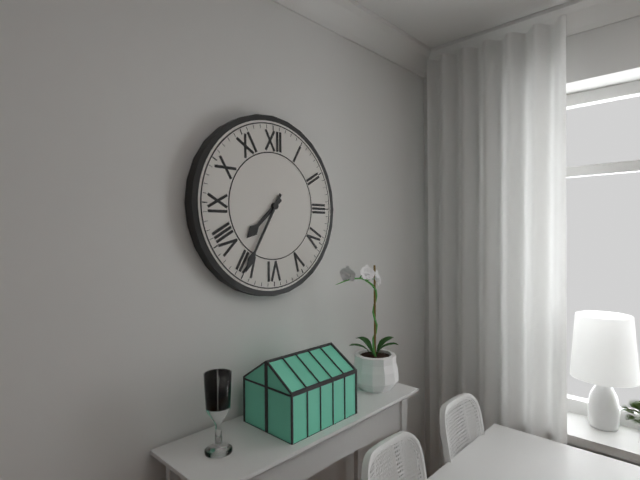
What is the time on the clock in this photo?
7:35
